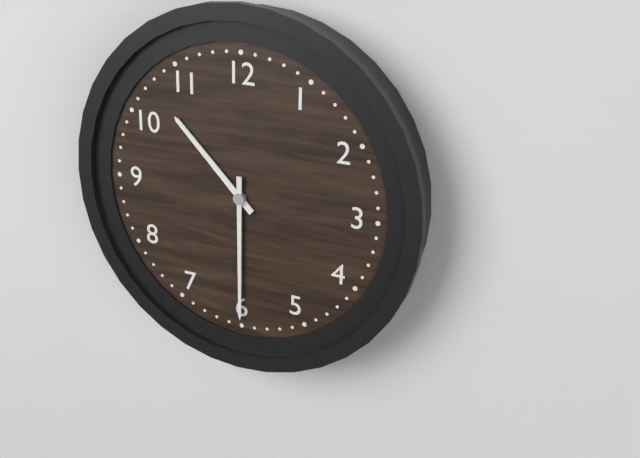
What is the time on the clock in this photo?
10:30
